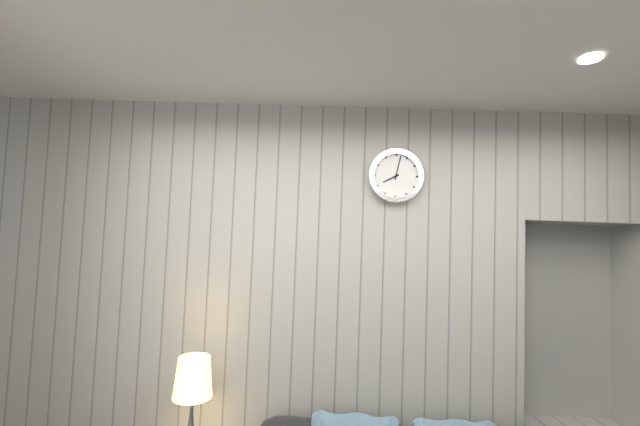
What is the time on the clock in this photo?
8:02
